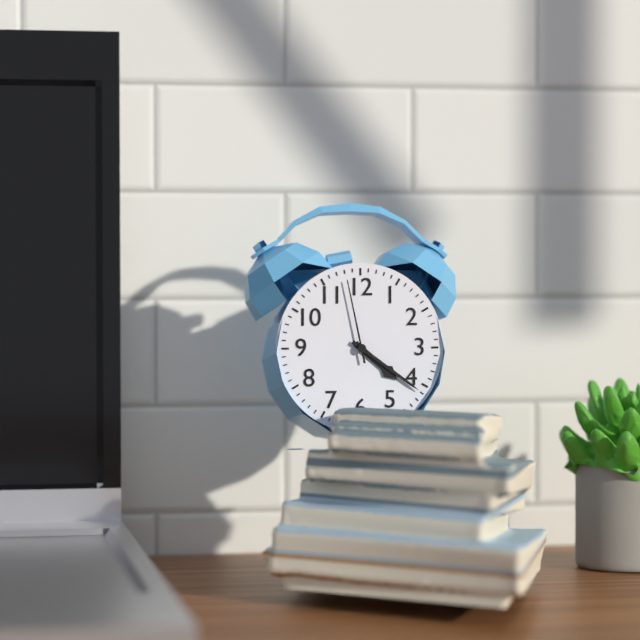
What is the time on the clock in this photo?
4:21:58
